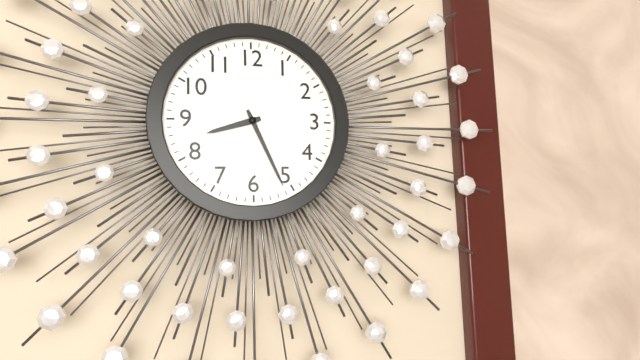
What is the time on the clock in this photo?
8:26
